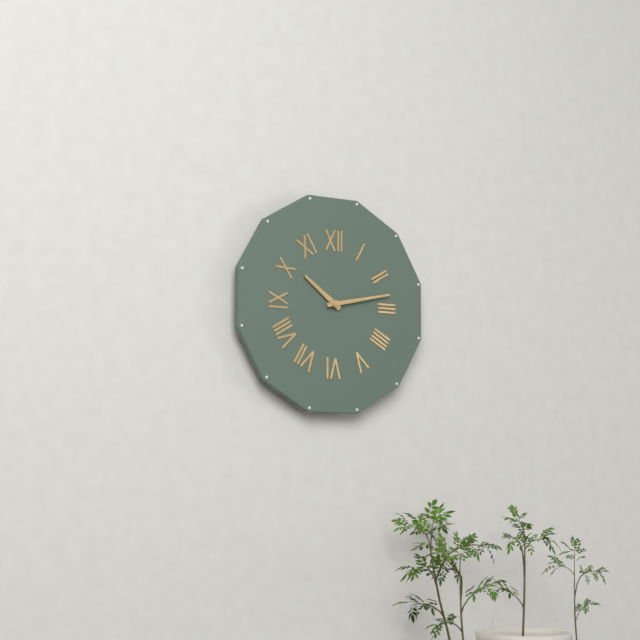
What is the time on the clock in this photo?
10:13
